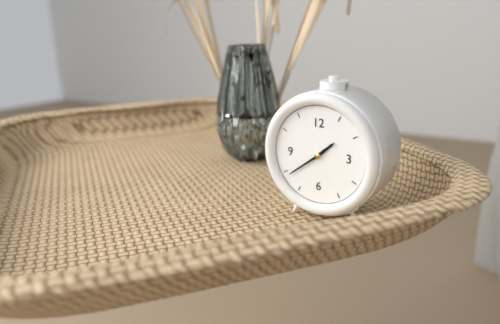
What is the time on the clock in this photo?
1:39
